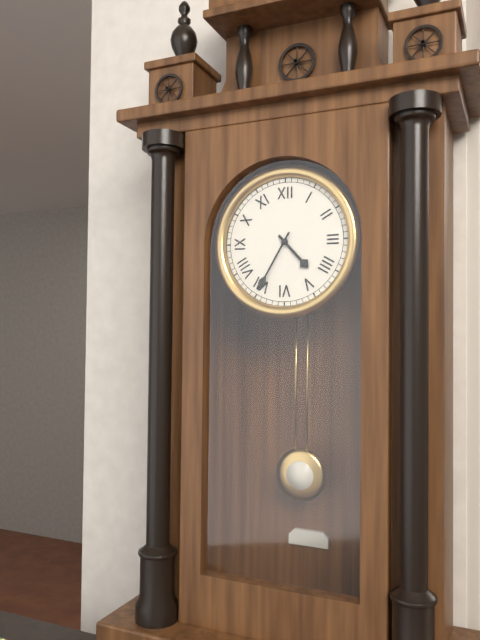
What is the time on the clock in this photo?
4:35
